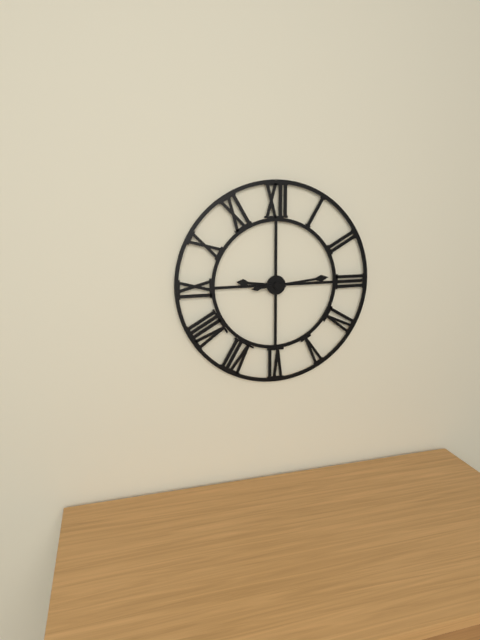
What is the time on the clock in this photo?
9:14
